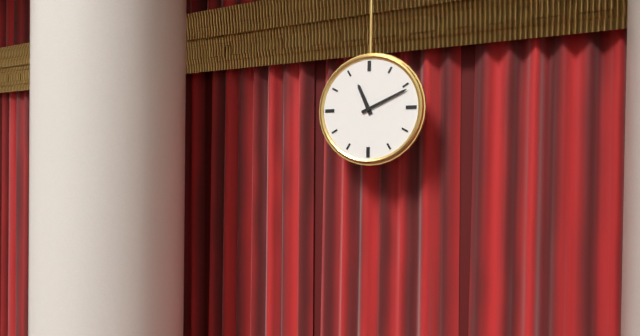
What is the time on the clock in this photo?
11:11
